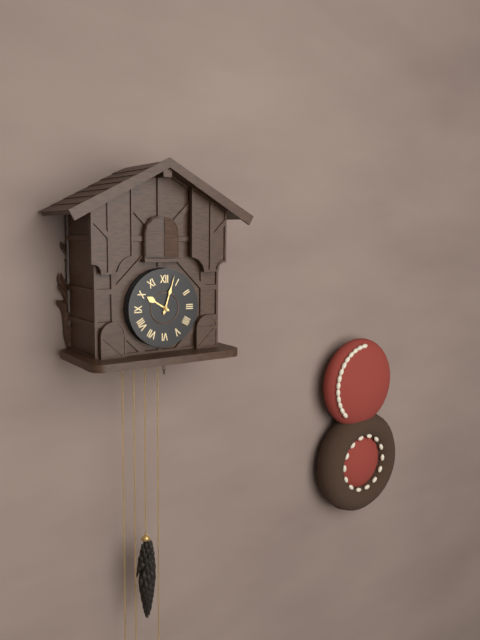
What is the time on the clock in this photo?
10:03
